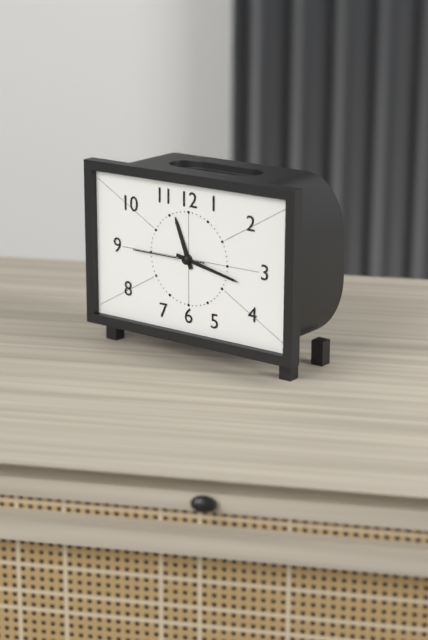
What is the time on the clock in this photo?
11:17:45
